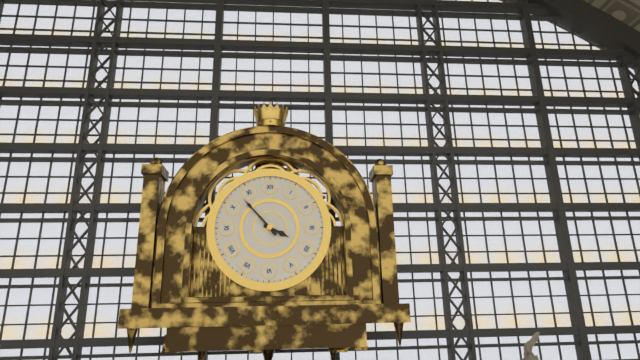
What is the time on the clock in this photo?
3:53
